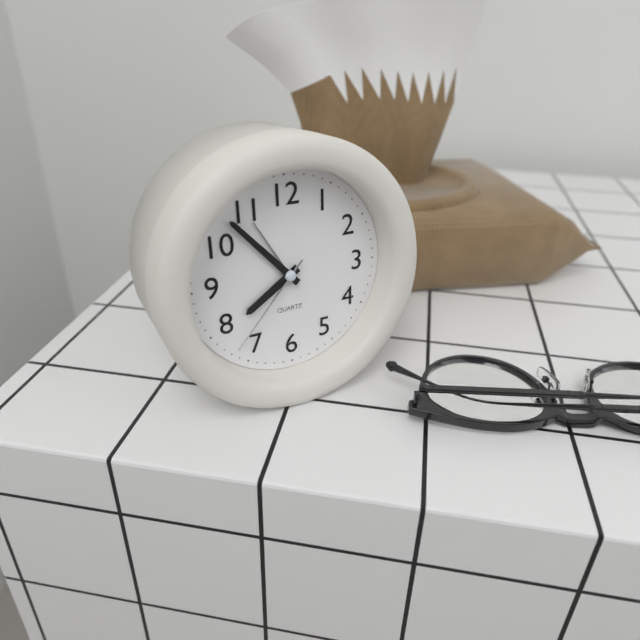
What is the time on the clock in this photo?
7:53:37
